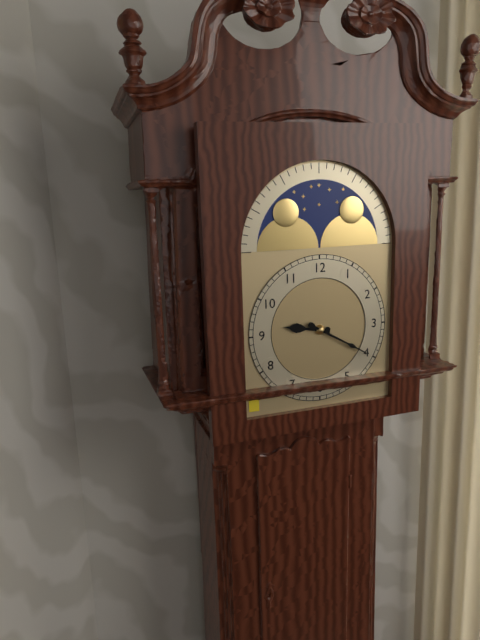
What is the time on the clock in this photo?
9:20
